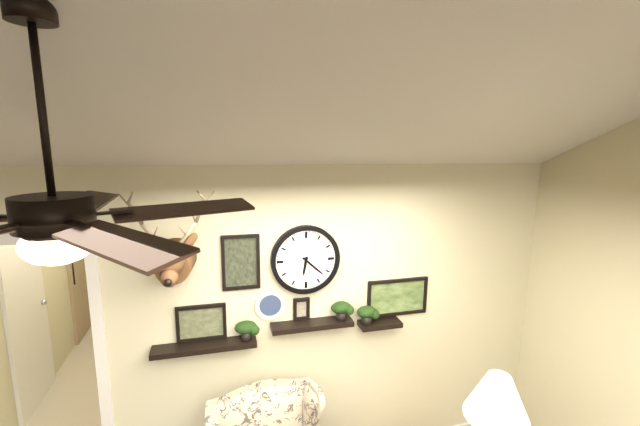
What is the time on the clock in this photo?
6:22
